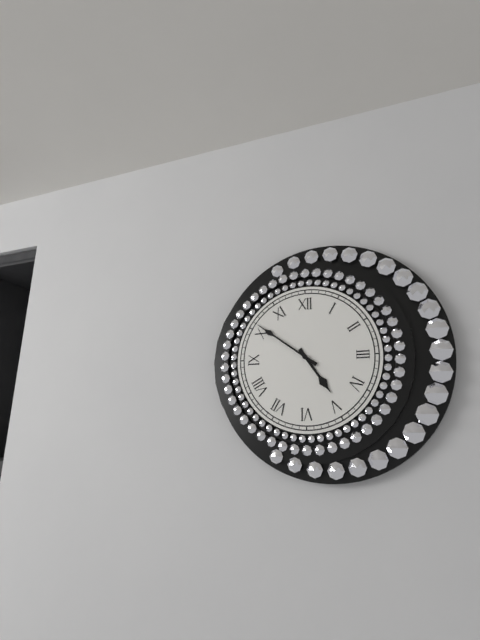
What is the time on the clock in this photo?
4:51
